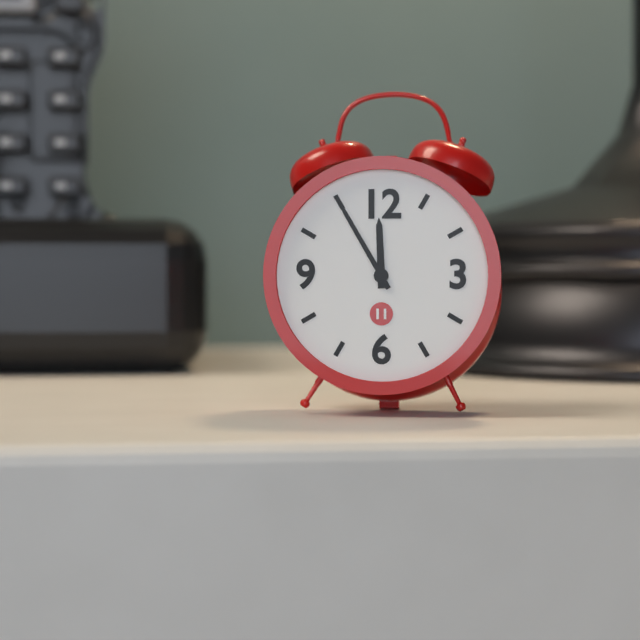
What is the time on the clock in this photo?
11:55
